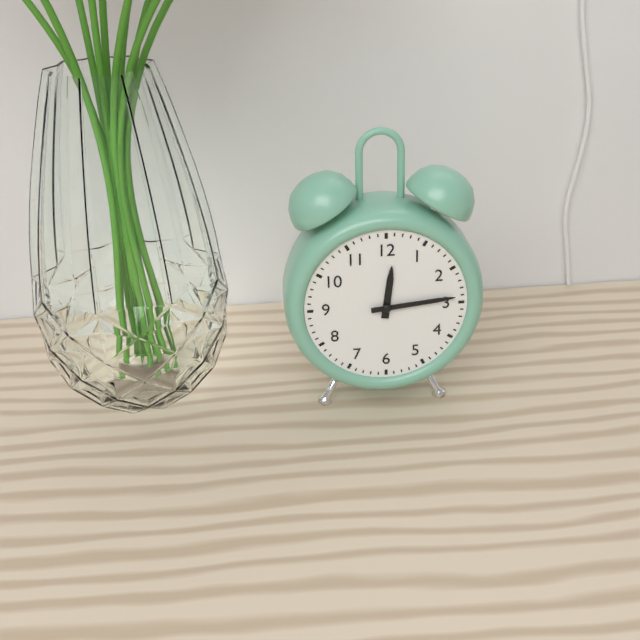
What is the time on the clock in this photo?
12:14
